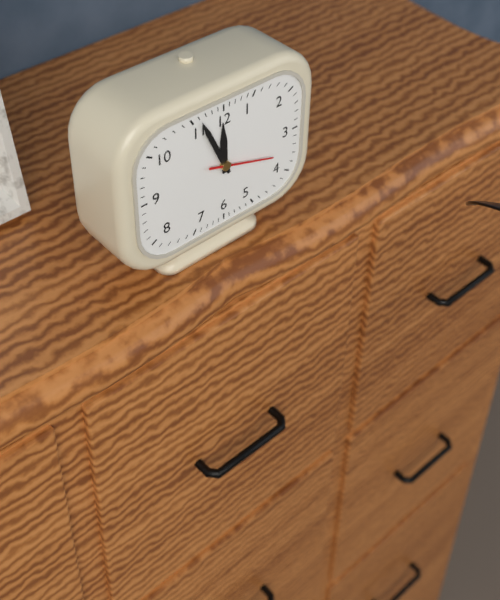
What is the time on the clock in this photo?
11:56:18
